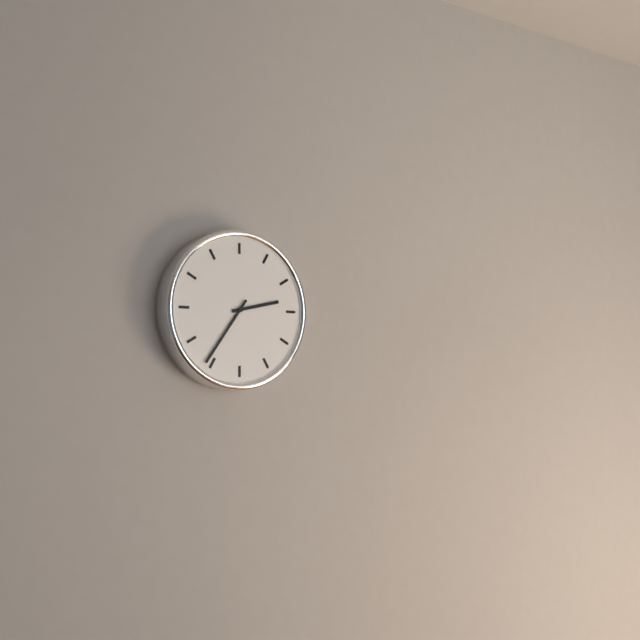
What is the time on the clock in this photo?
2:36
